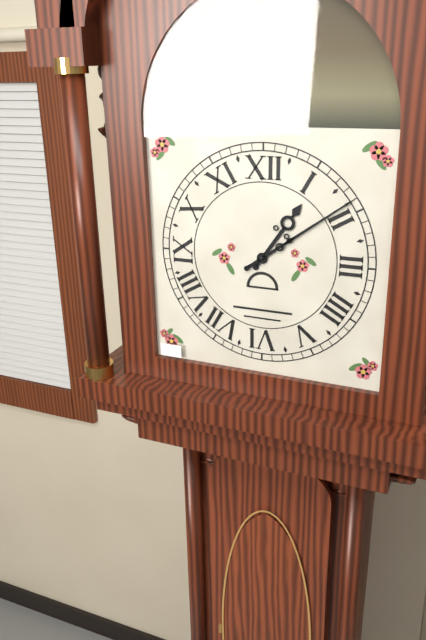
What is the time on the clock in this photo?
1:09
